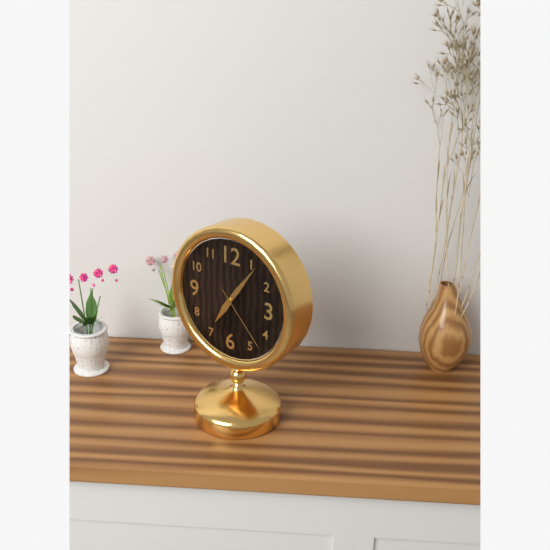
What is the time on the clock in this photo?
7:06:23
